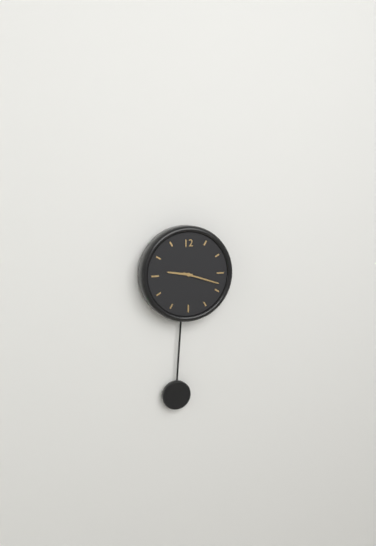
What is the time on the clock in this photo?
9:18
